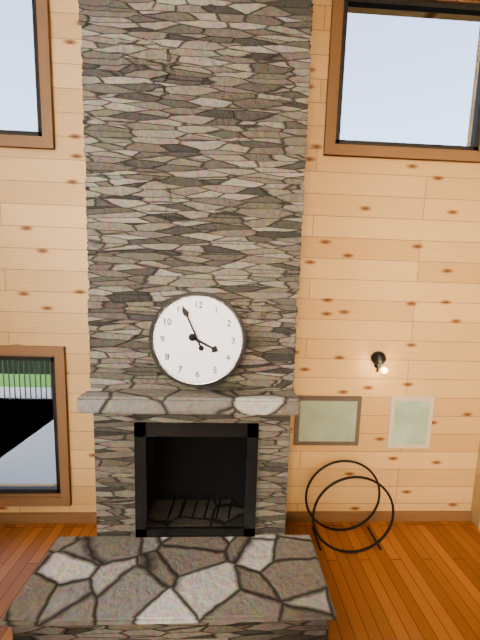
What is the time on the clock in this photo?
3:56
